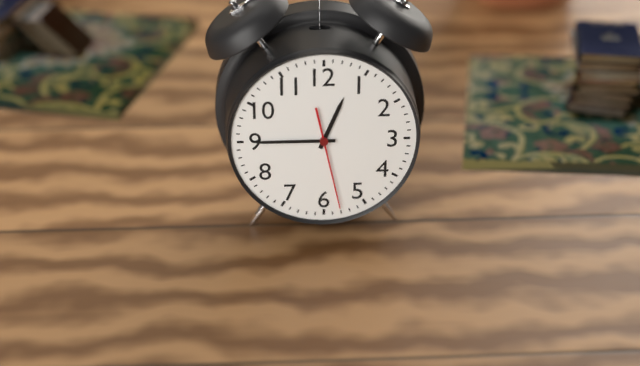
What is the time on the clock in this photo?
12:45:28
